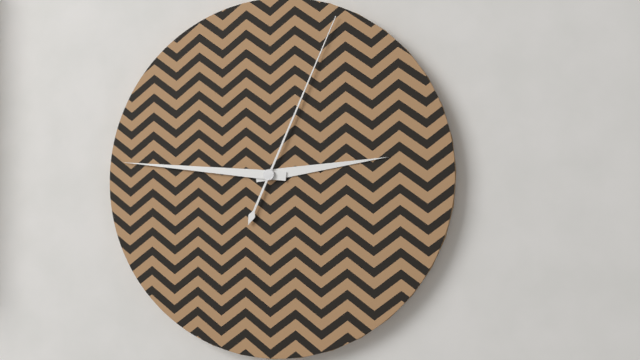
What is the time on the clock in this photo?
2:46:04
